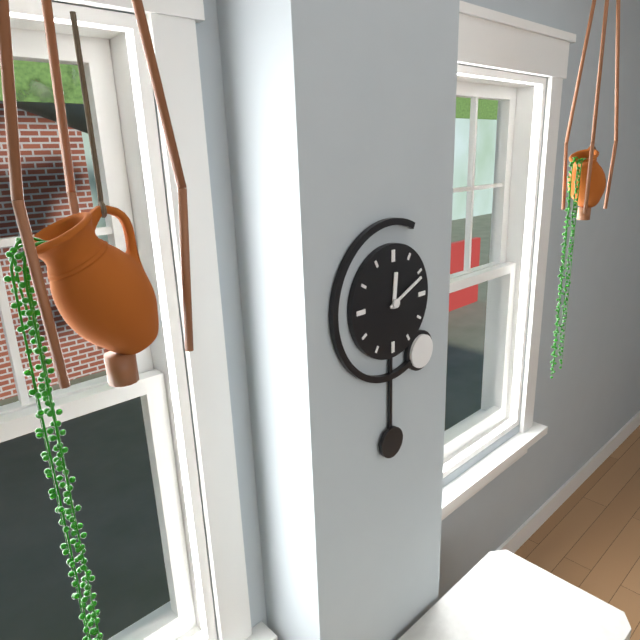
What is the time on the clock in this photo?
12:11
